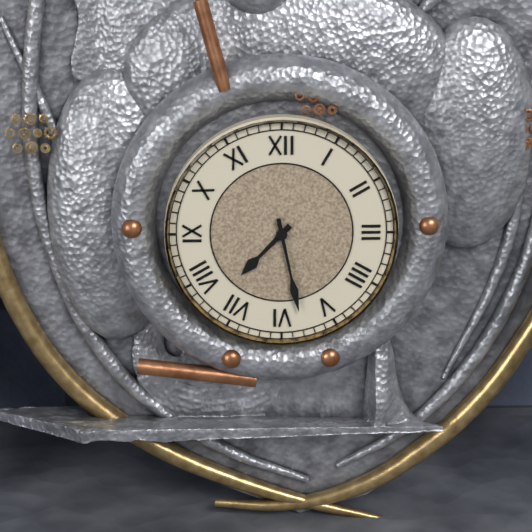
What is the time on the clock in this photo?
7:28
